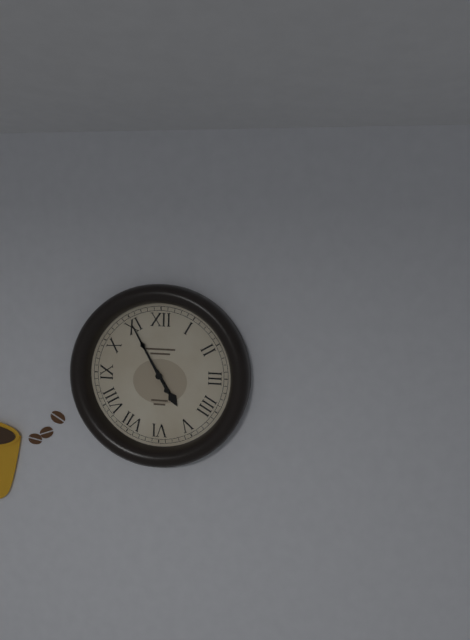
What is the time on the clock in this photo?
4:55
